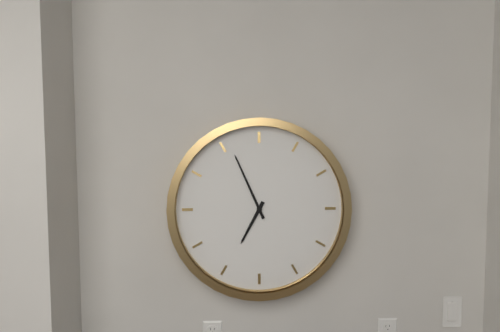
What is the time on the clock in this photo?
6:56
